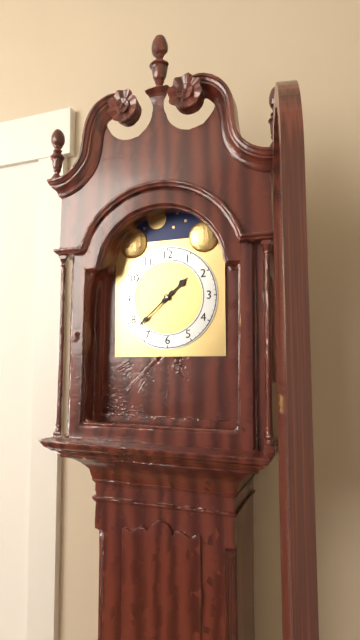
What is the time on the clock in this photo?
1:38
